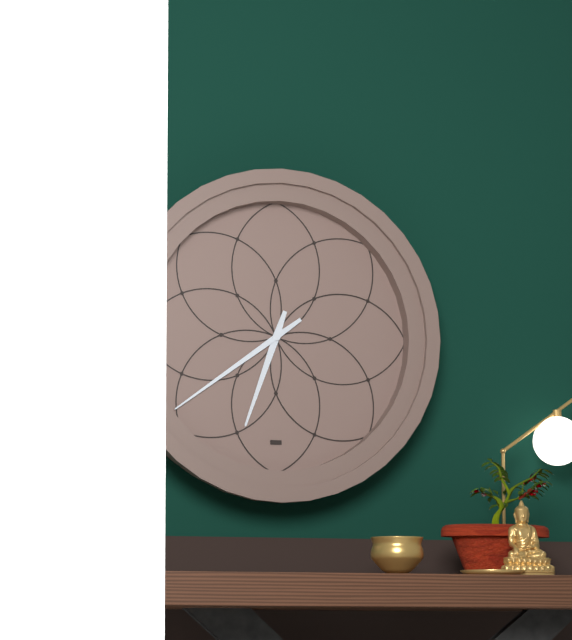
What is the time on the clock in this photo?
6:39
